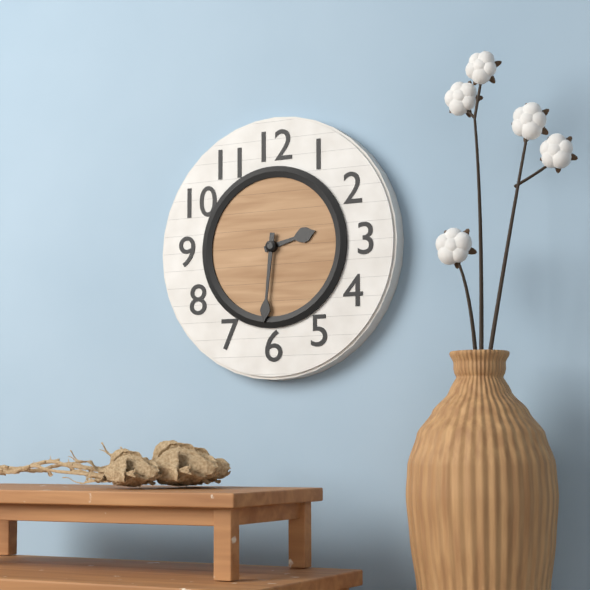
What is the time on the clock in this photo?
2:31
